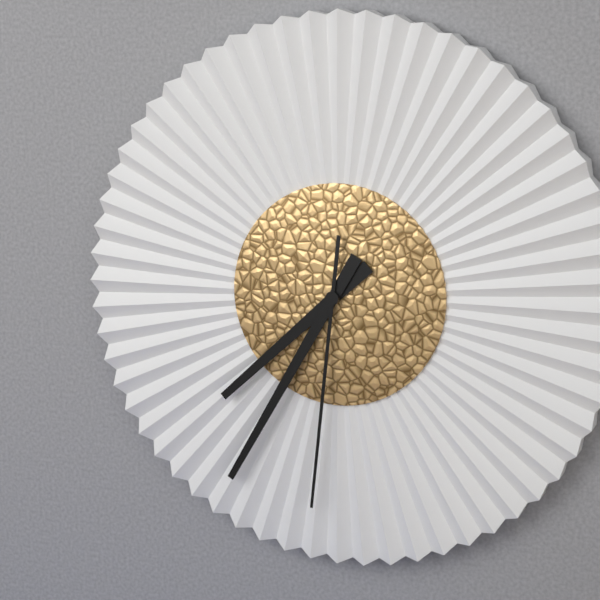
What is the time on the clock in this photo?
7:35:31
